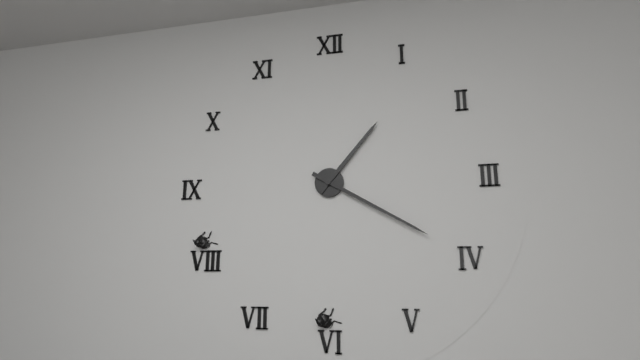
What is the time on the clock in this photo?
1:20
